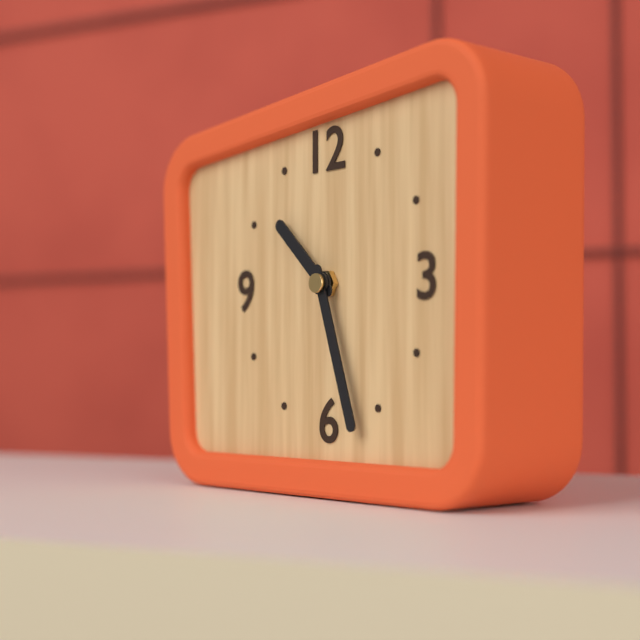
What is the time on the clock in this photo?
10:27
